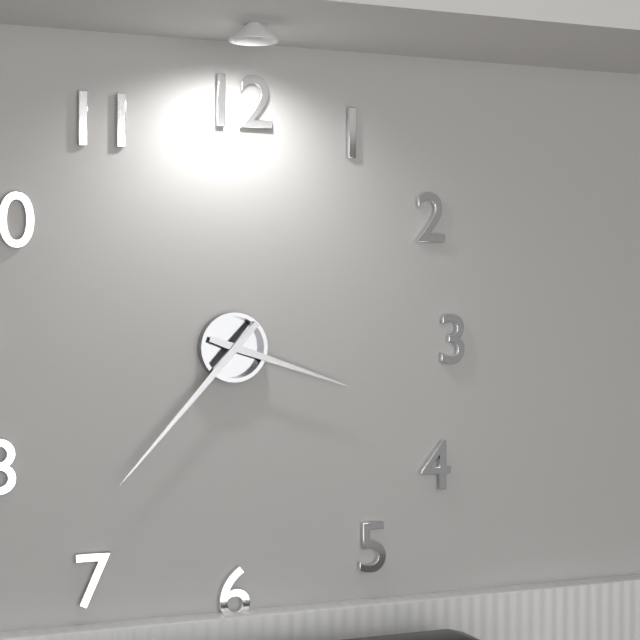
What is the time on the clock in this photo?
3:37
